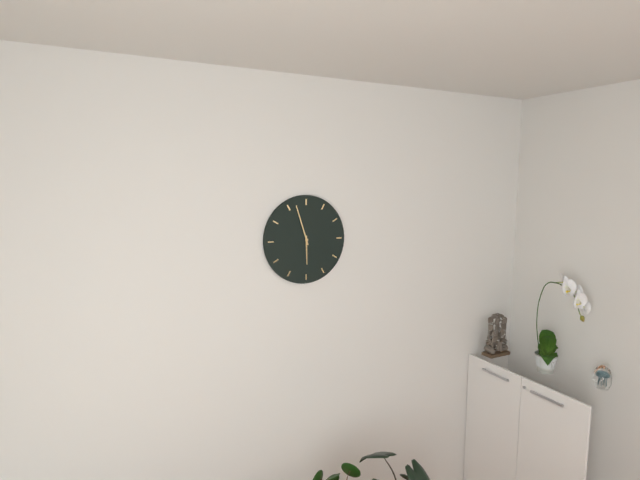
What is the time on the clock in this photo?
5:57
